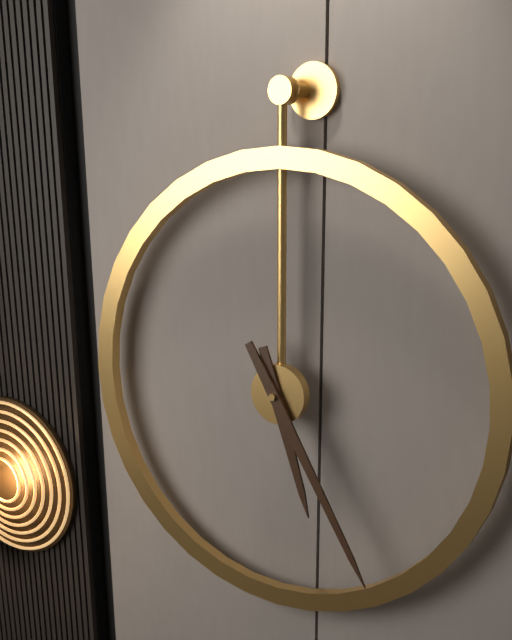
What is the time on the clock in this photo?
5:25
